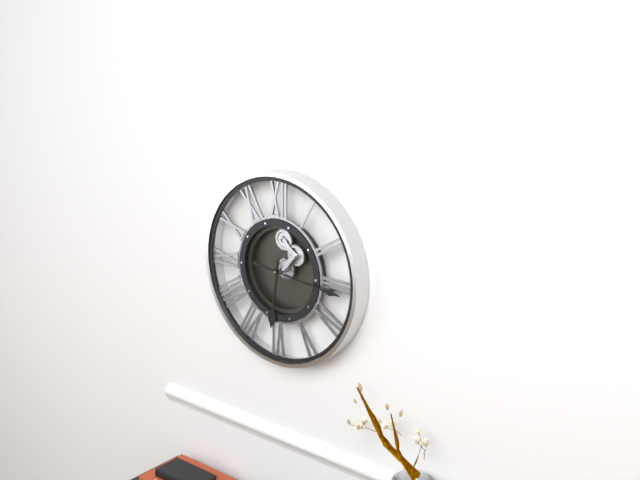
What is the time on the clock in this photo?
6:16
